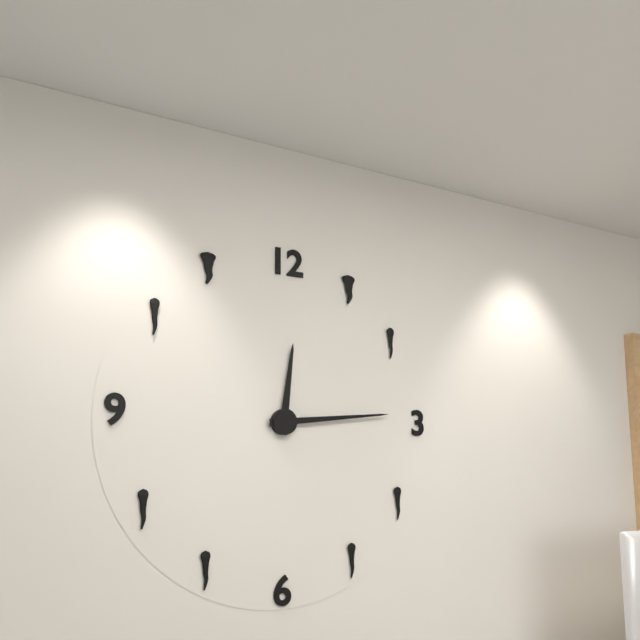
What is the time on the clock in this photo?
12:14
